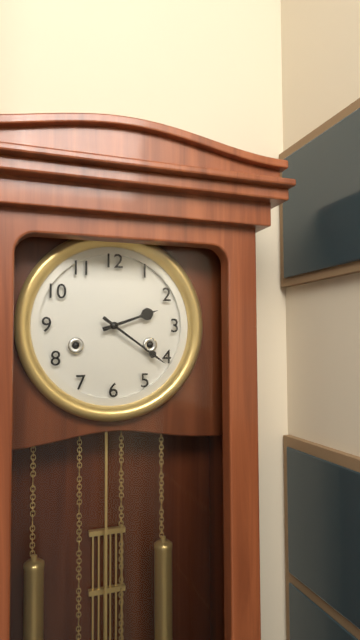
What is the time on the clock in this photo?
2:21
